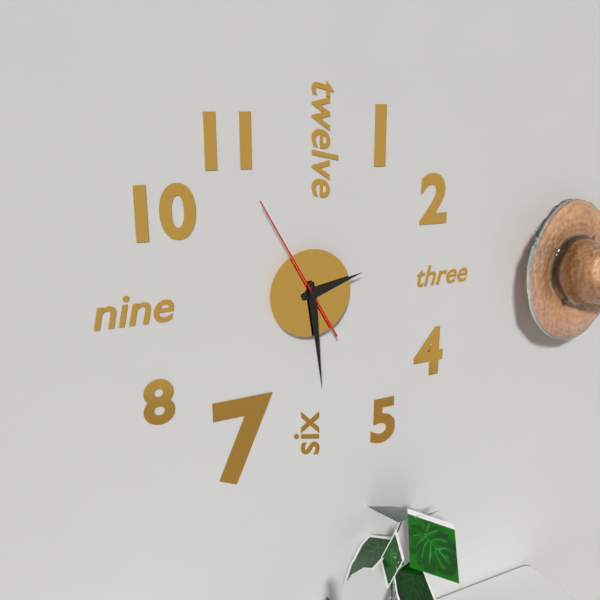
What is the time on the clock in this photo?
2:29:55
